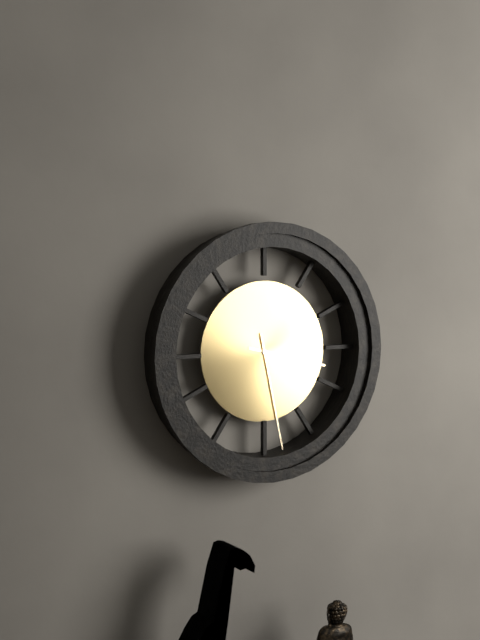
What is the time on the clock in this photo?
3:28
